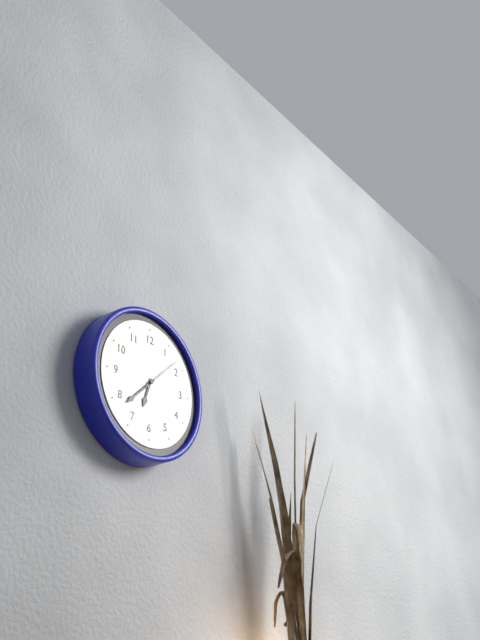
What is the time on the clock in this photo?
6:38
